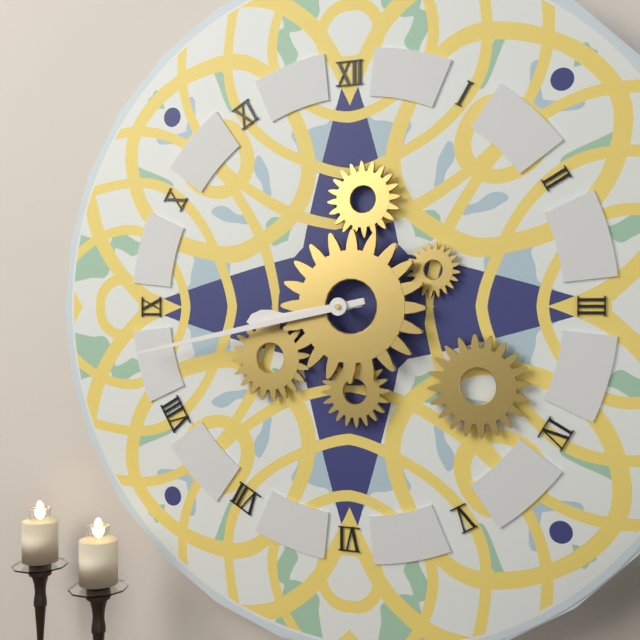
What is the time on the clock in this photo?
8:43
